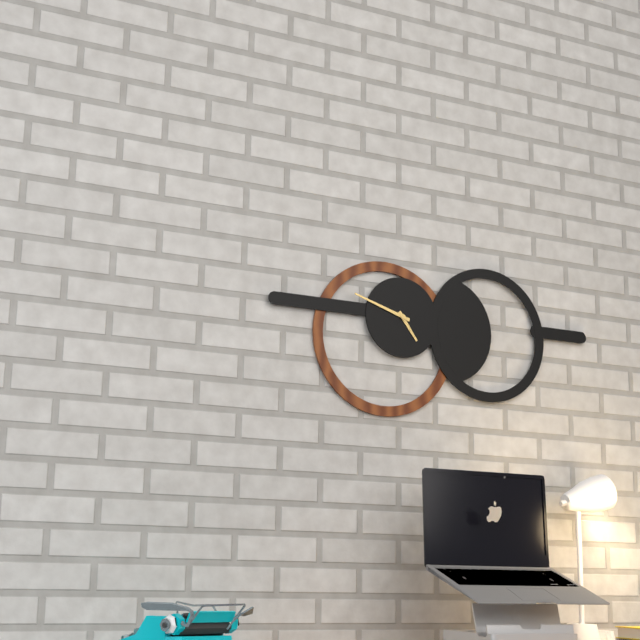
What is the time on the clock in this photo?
4:48
